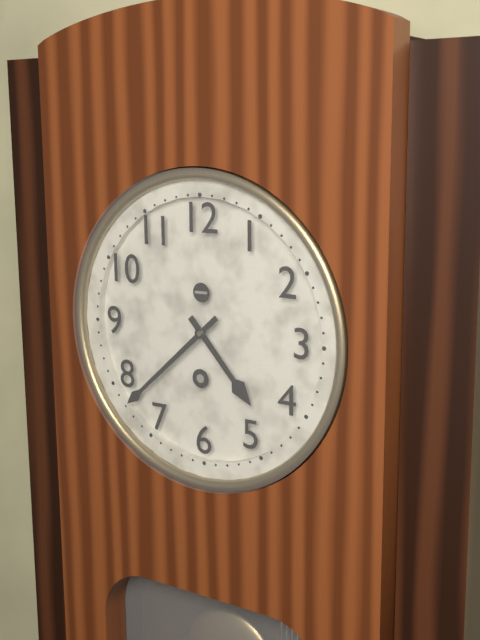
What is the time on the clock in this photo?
4:38
